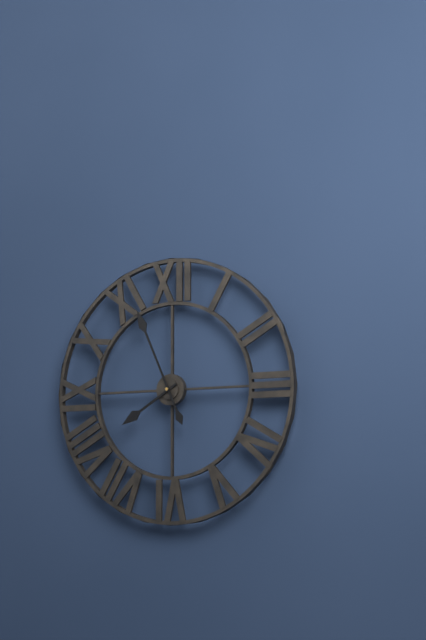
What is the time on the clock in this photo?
7:56
